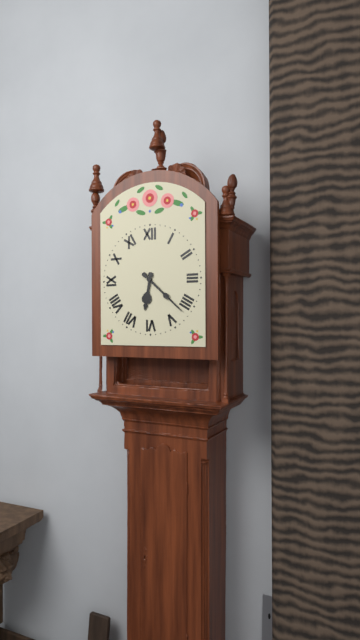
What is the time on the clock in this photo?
6:22
